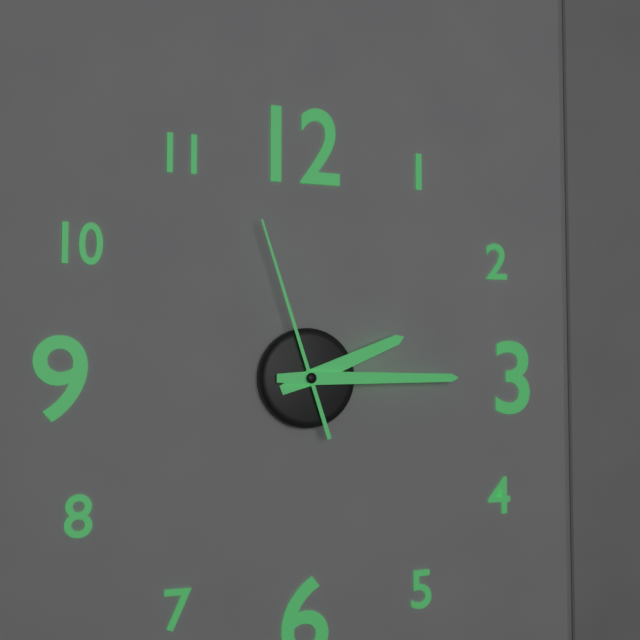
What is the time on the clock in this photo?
2:15:57
